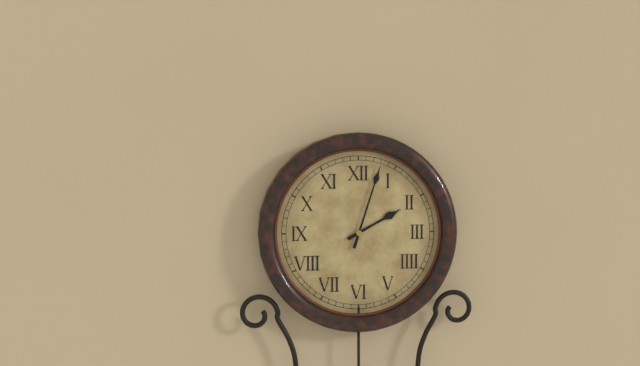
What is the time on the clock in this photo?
2:03
